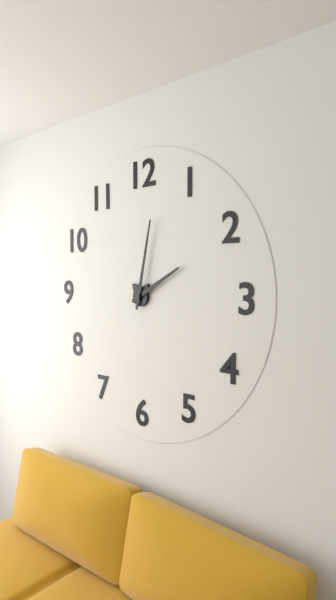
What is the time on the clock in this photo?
2:02
